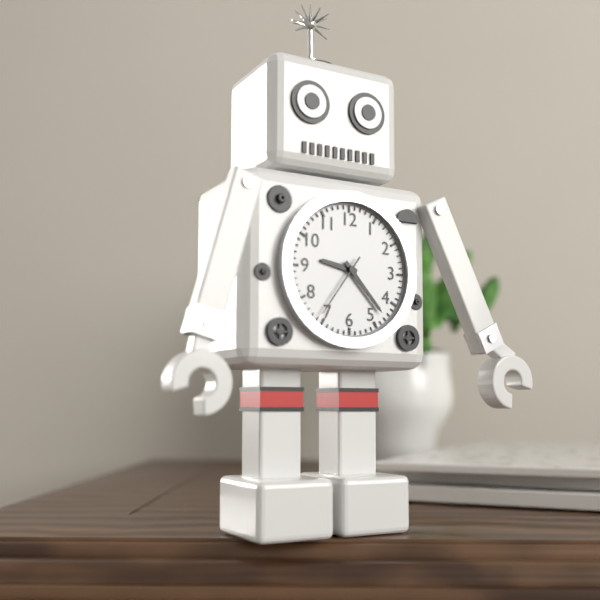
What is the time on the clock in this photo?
9:23
